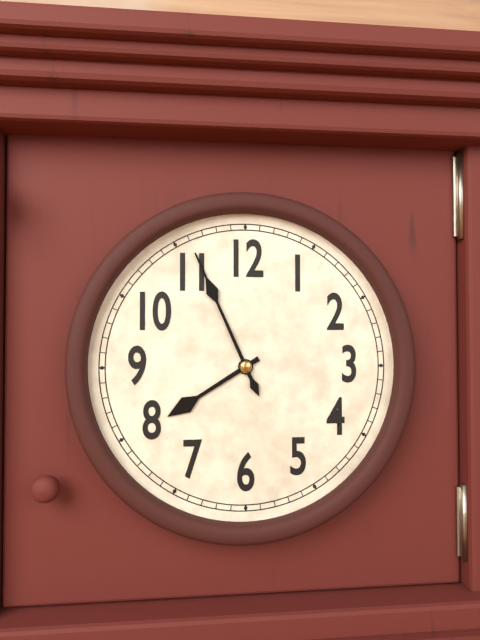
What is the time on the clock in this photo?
7:56
